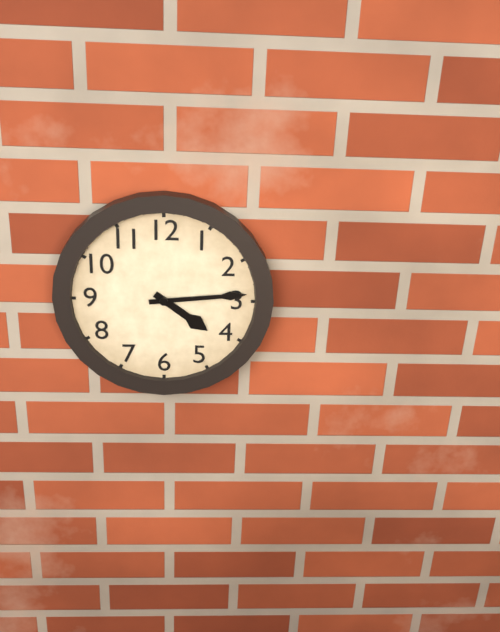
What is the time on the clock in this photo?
4:14
